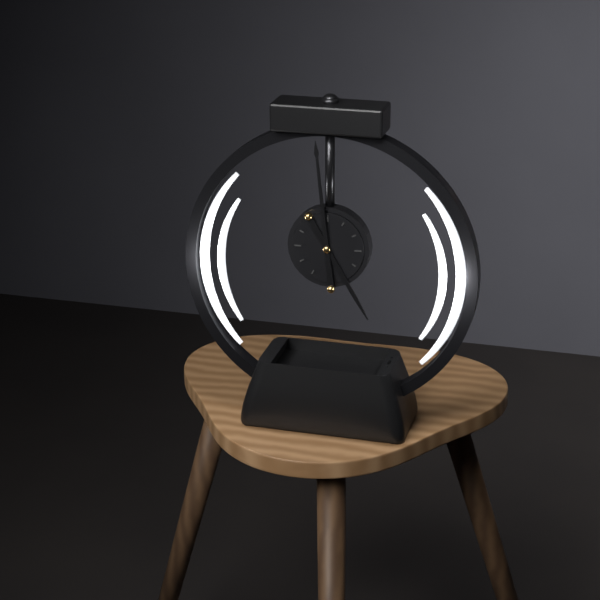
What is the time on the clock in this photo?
4:59
